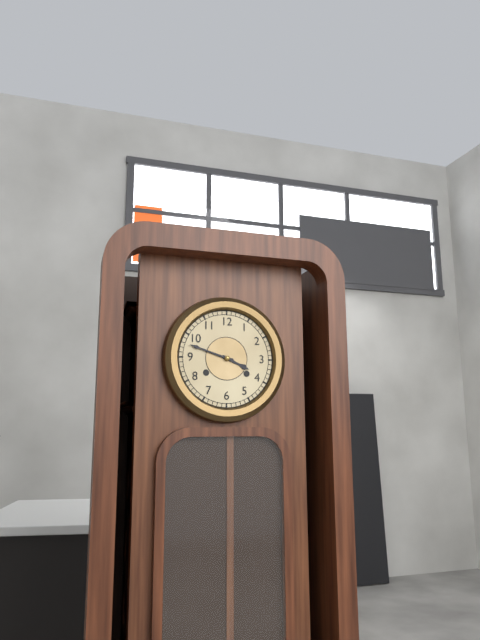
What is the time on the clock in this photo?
3:48
